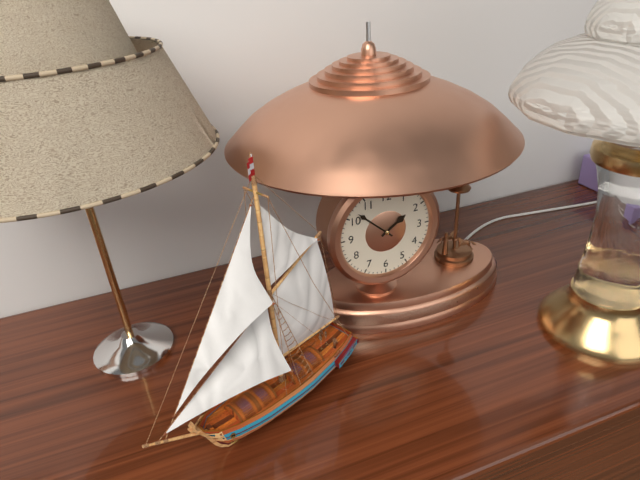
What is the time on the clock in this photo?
1:52
